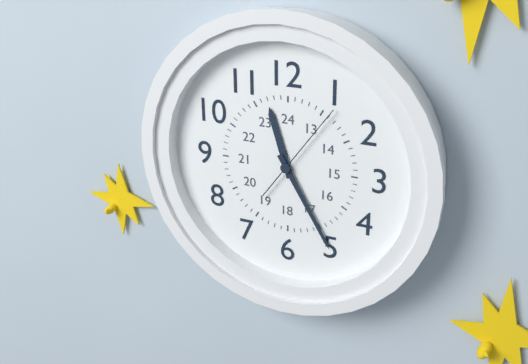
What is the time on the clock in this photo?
11:25:06
